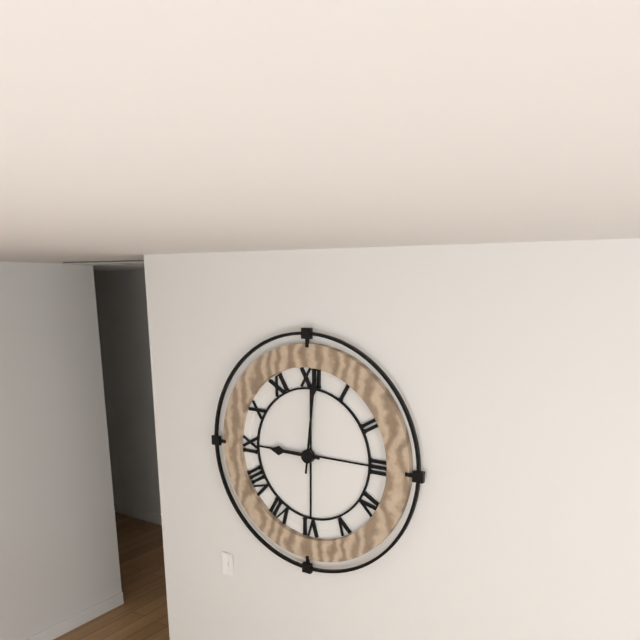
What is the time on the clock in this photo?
9:01
